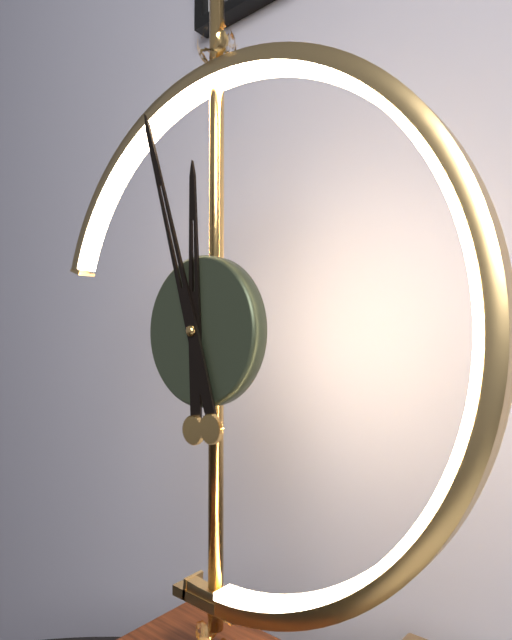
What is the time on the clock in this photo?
11:57
